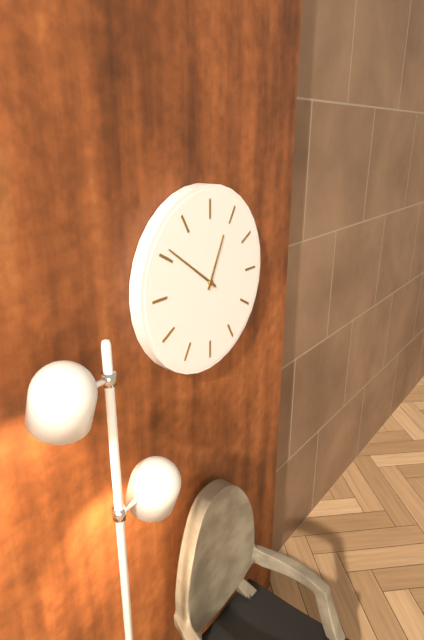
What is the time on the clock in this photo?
12:51
